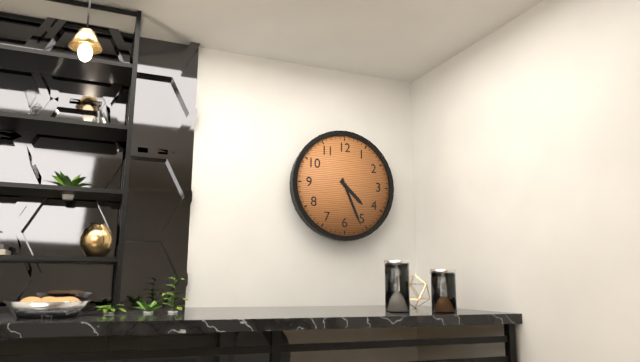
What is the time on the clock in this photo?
4:26
